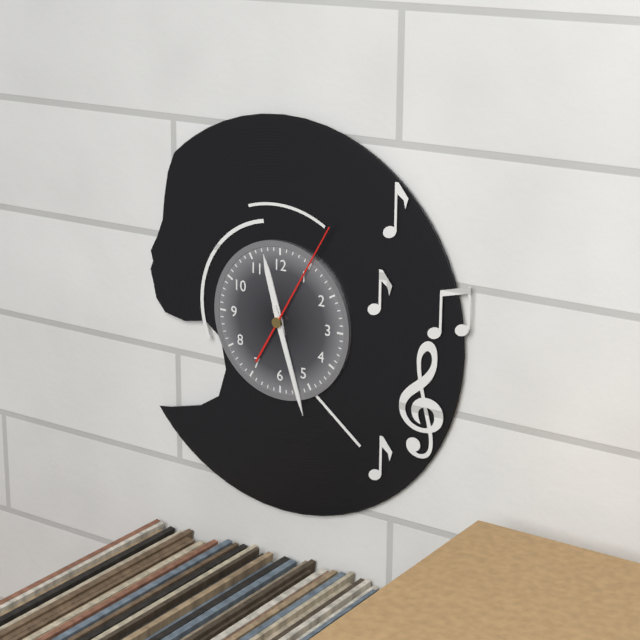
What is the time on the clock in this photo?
11:27:05
